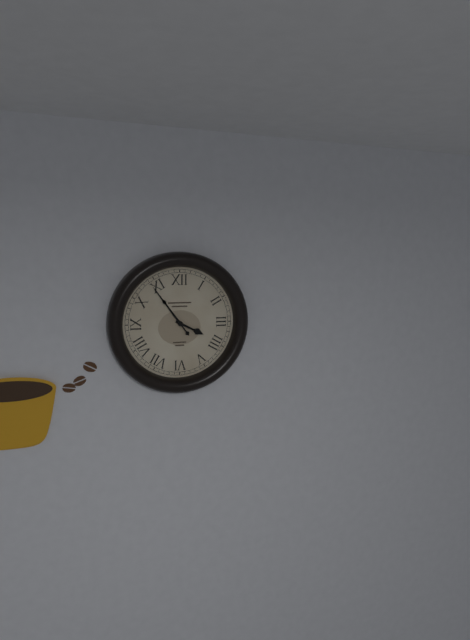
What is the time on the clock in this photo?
3:54
